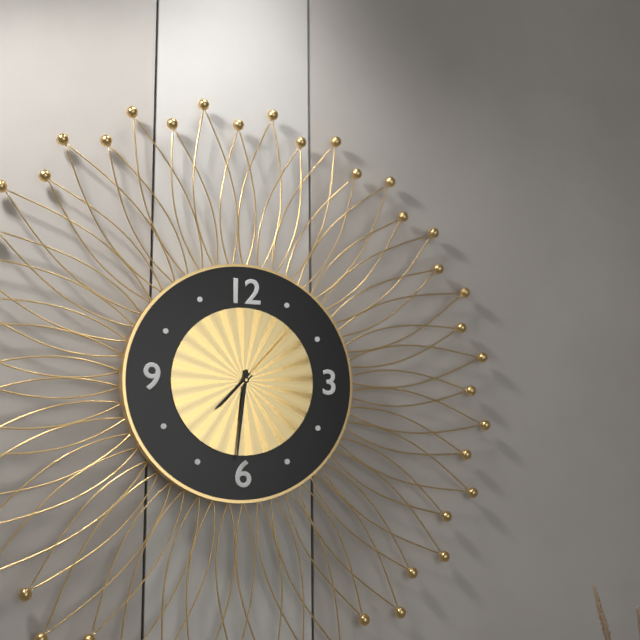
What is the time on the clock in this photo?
7:31:07
